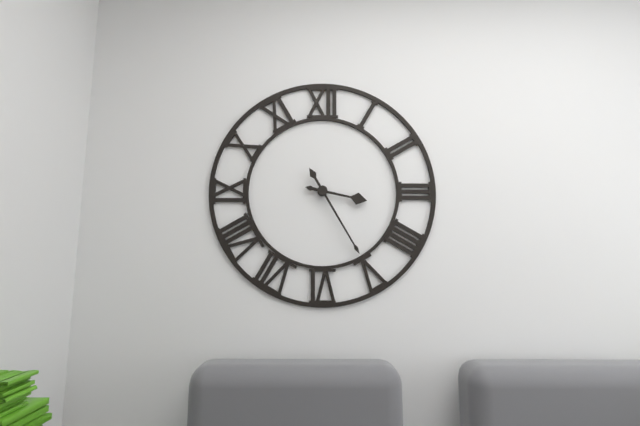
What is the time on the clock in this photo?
3:25
